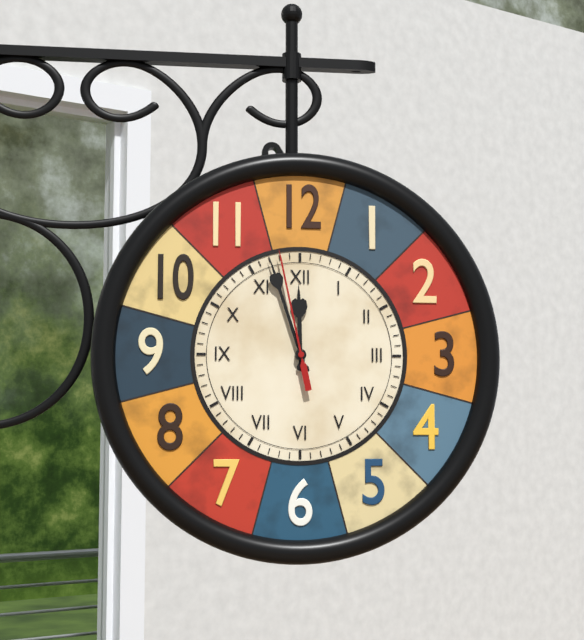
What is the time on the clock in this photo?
11:57:58
